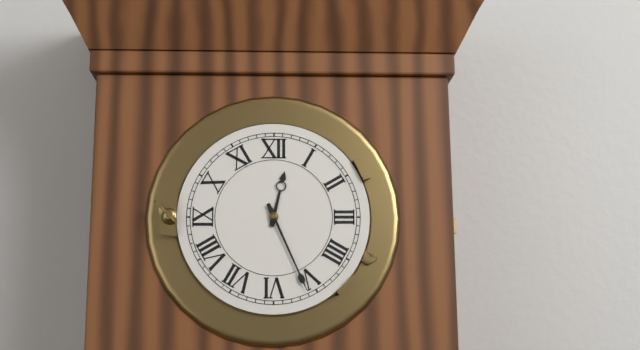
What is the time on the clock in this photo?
12:26
